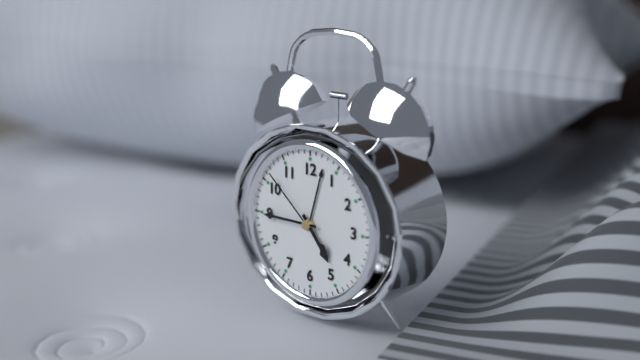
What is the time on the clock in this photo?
4:45:52
